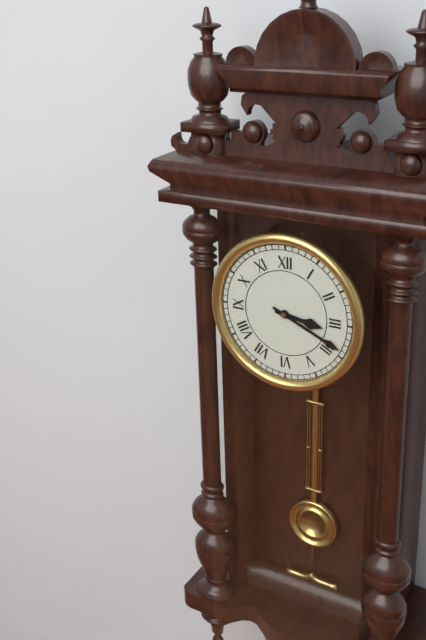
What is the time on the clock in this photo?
3:19
